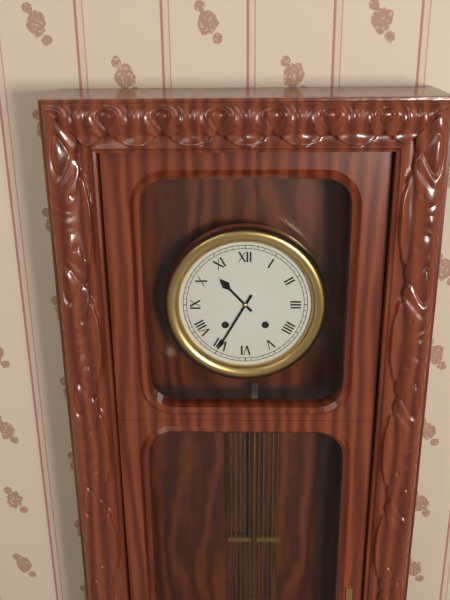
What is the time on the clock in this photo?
10:35
